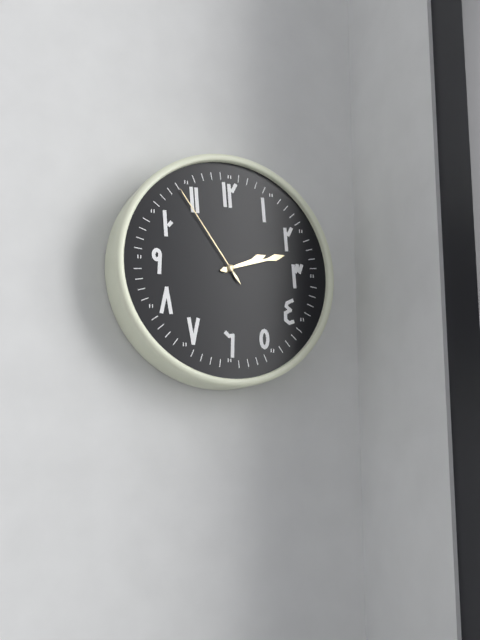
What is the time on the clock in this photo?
2:12:54
